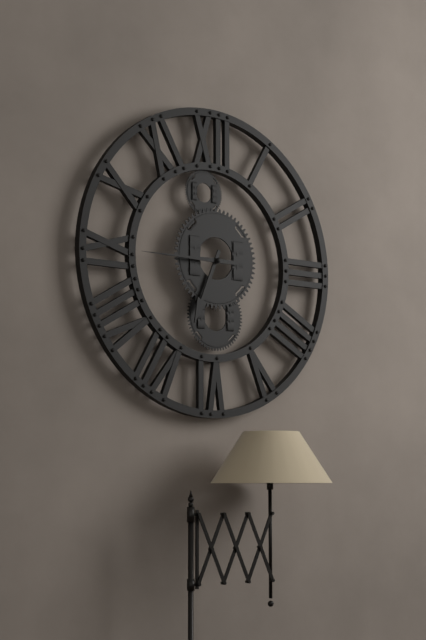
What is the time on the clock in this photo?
6:45
